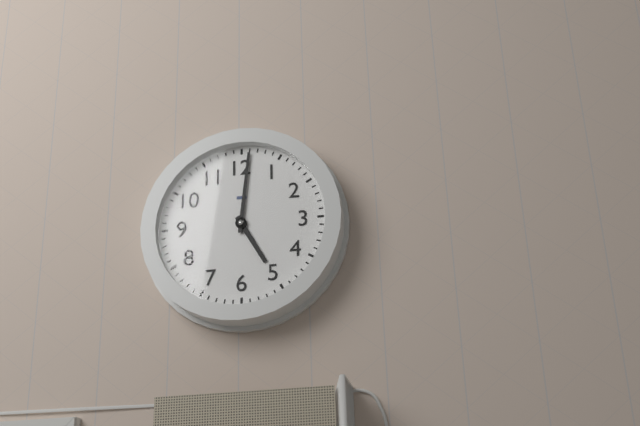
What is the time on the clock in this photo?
5:01
